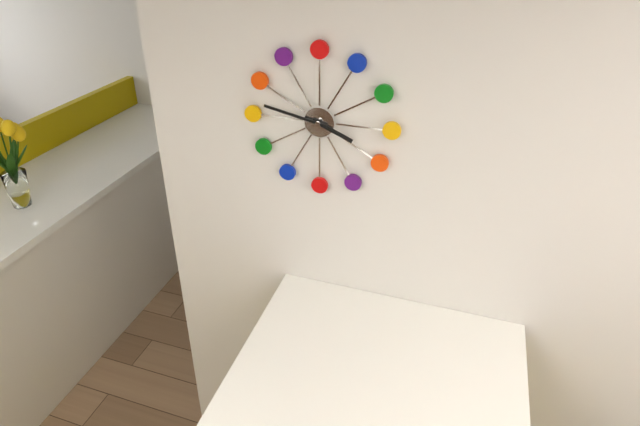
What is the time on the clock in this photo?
3:47
